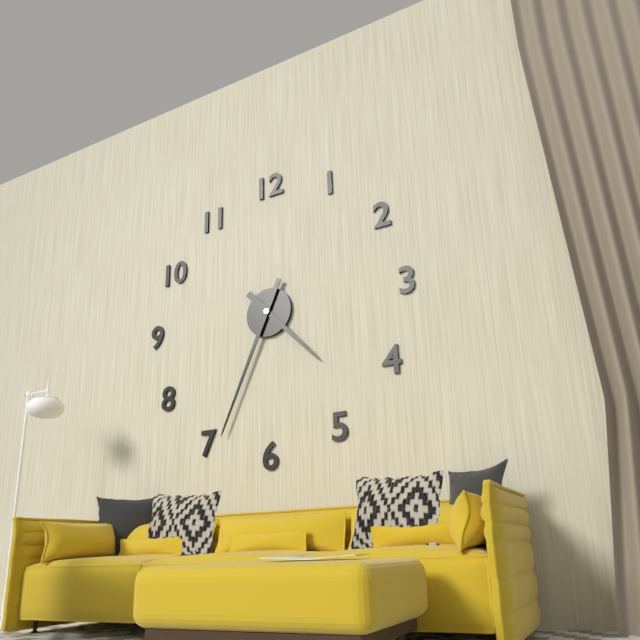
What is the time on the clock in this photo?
4:34
